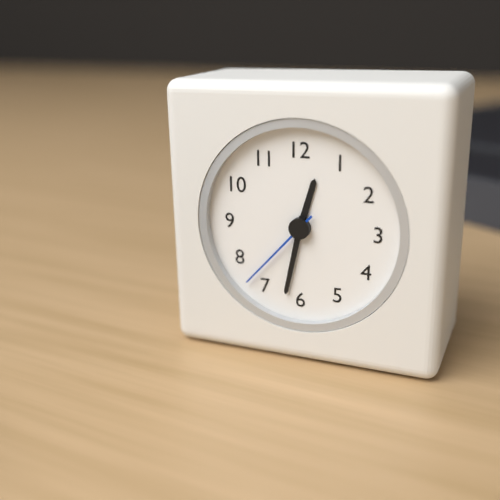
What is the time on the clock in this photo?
12:32:37
